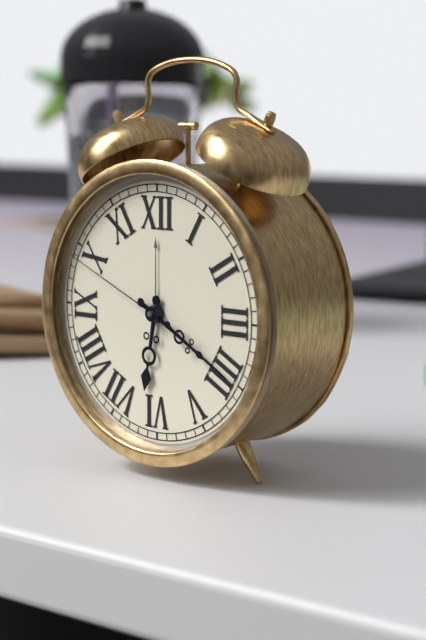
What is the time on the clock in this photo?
6:20:49
